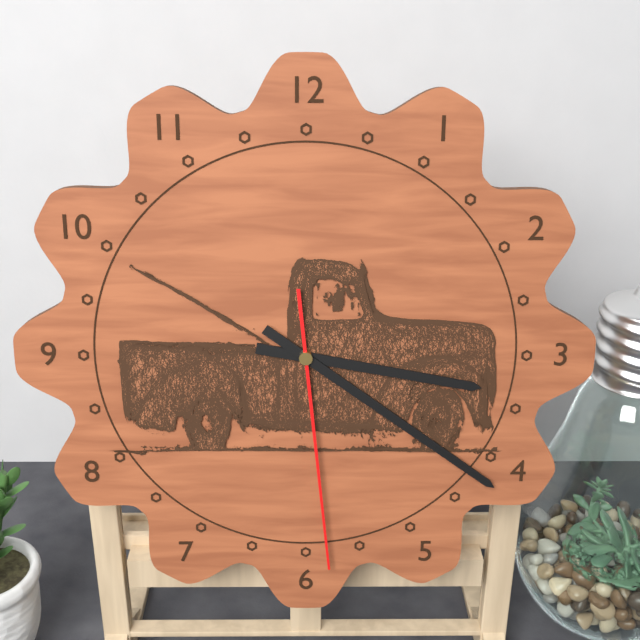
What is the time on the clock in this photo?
3:21:29
